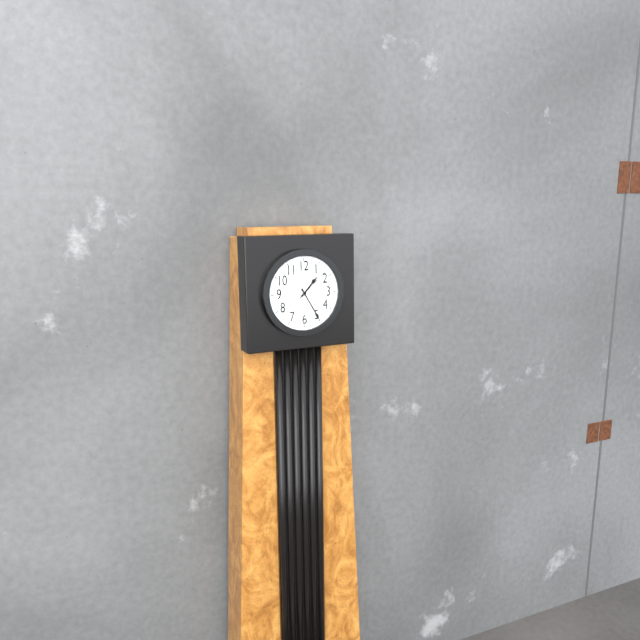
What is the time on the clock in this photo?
1:25
